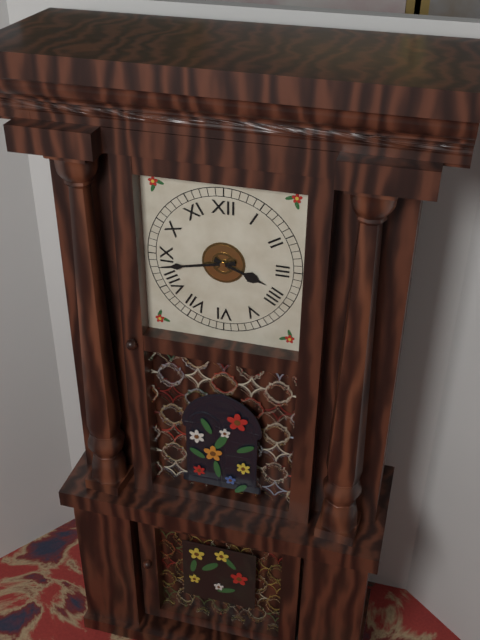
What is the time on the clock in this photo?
3:43
